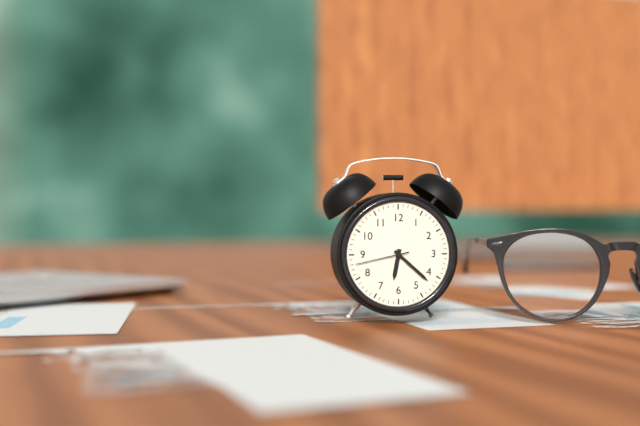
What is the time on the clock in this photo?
6:22:43
